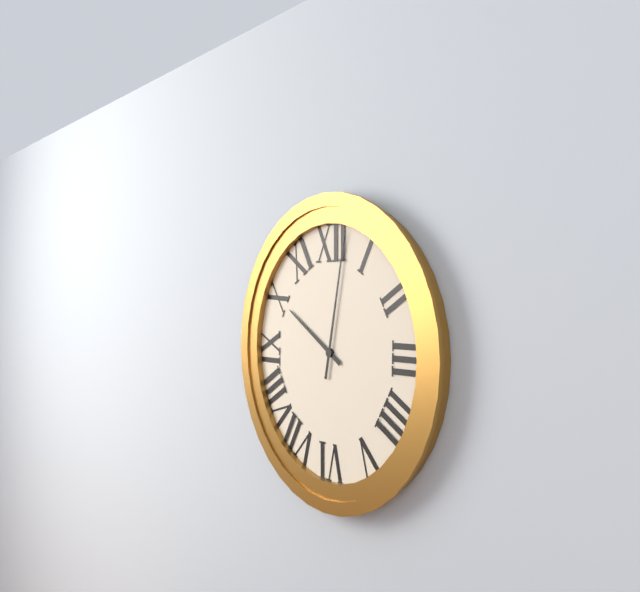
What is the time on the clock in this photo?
10:02
